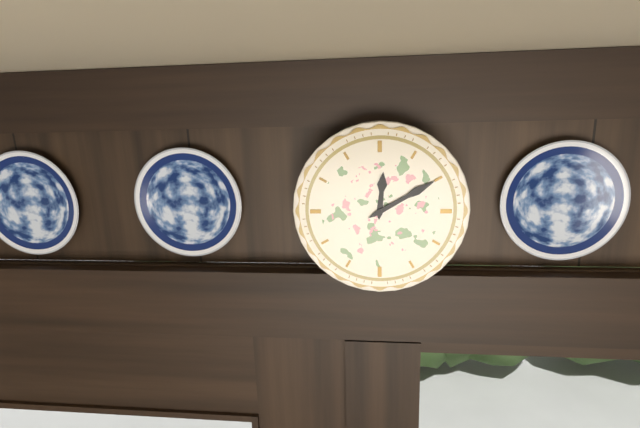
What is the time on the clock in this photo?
12:10
